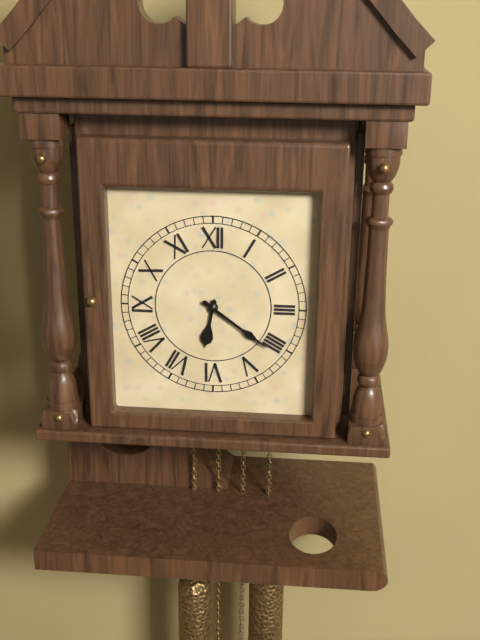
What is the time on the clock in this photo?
6:21
